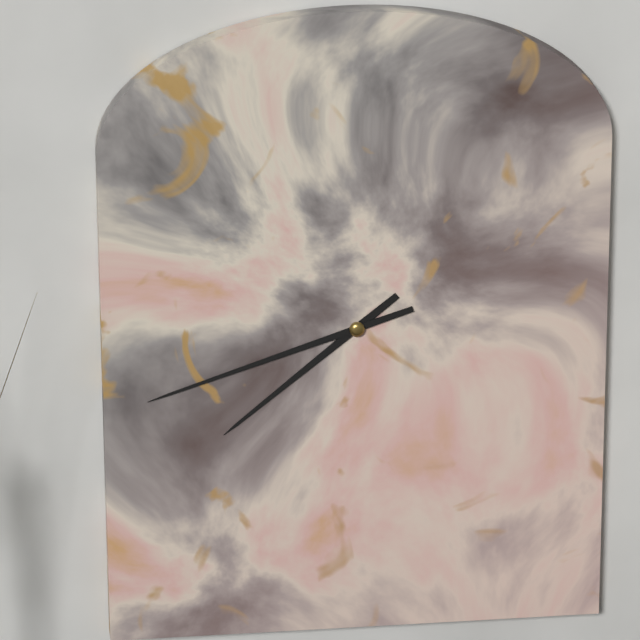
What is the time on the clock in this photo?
7:42
